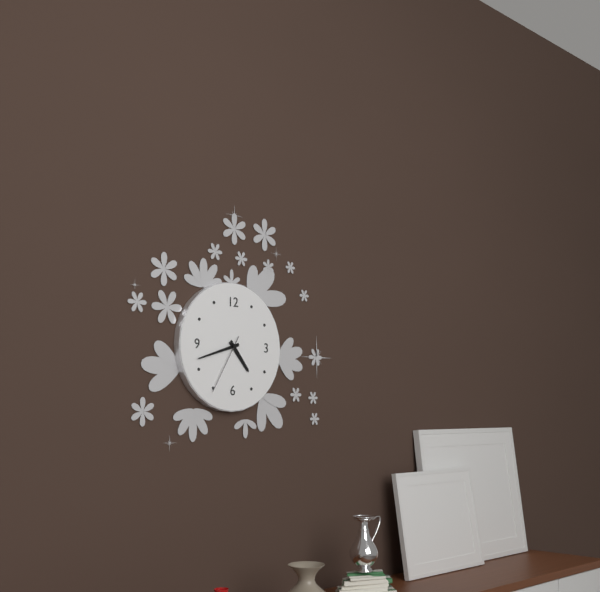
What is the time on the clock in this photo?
4:42:35
